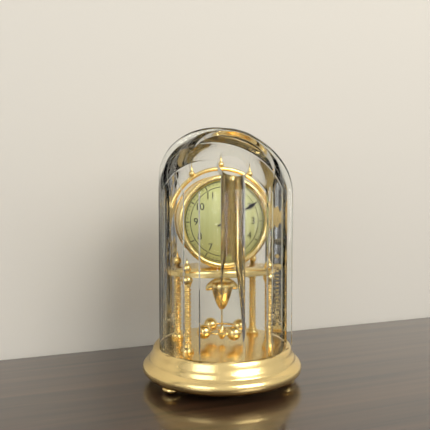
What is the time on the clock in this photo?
12:10
